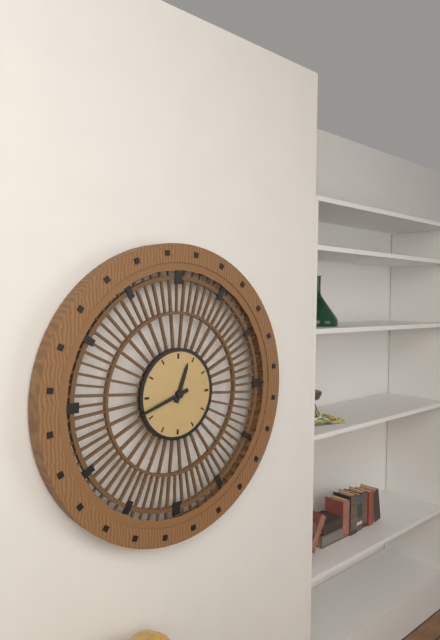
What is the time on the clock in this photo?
12:42
